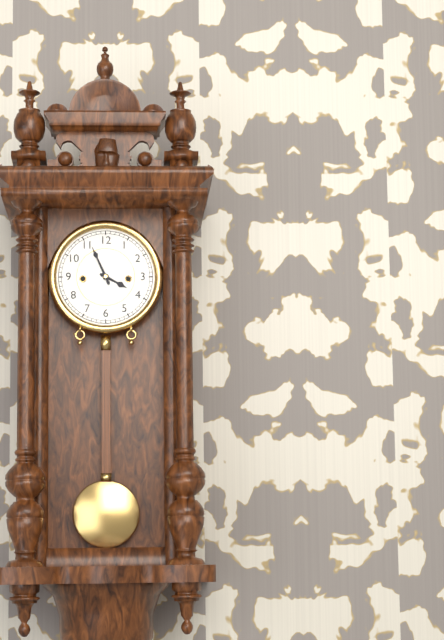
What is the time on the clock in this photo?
3:56
